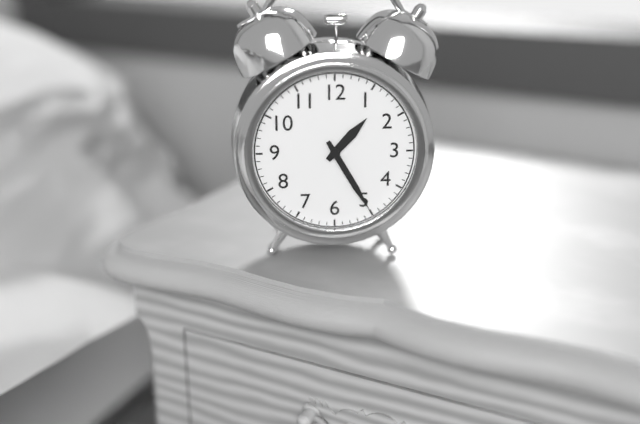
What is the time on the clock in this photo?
1:25
